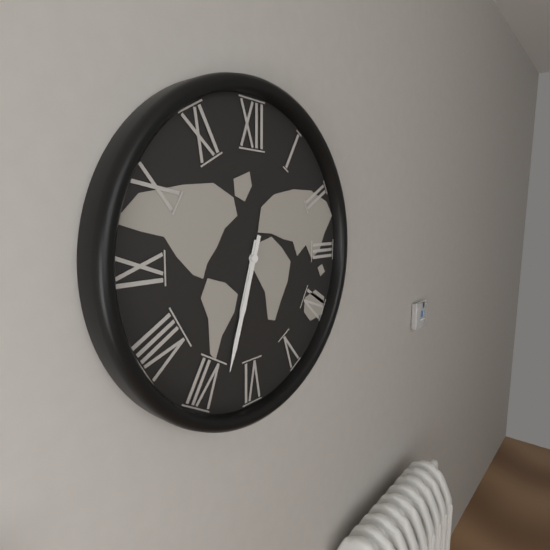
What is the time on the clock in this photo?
6:33
